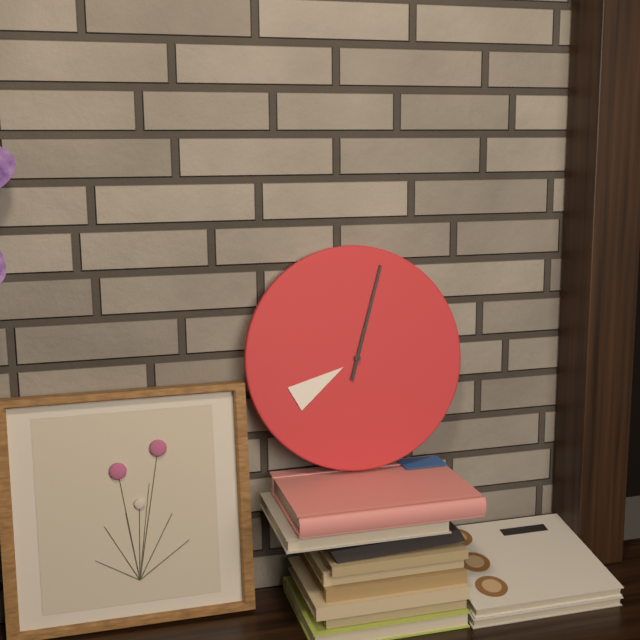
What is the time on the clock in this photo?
8:03
